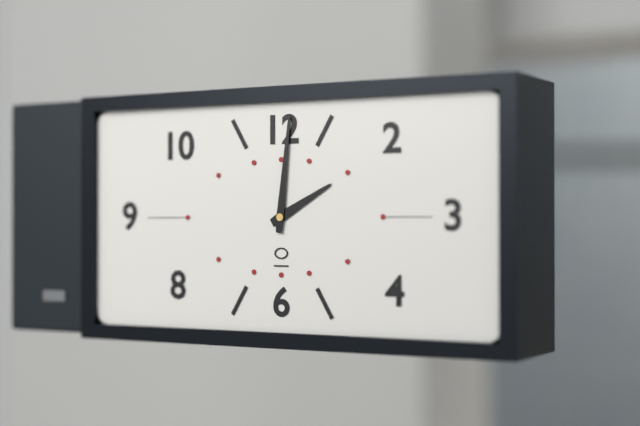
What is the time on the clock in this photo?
2:01
